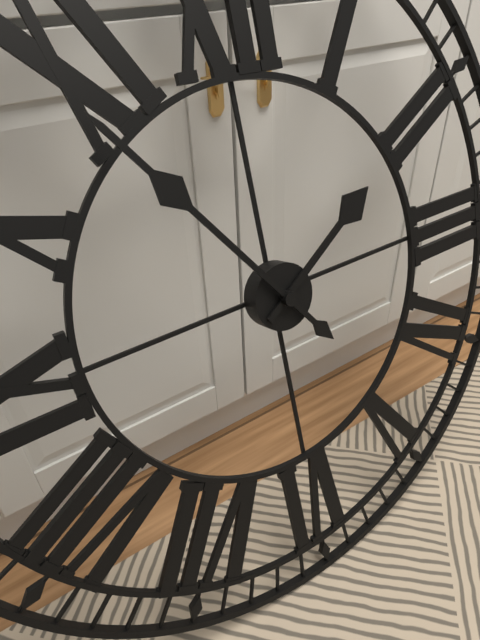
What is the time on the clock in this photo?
1:54
